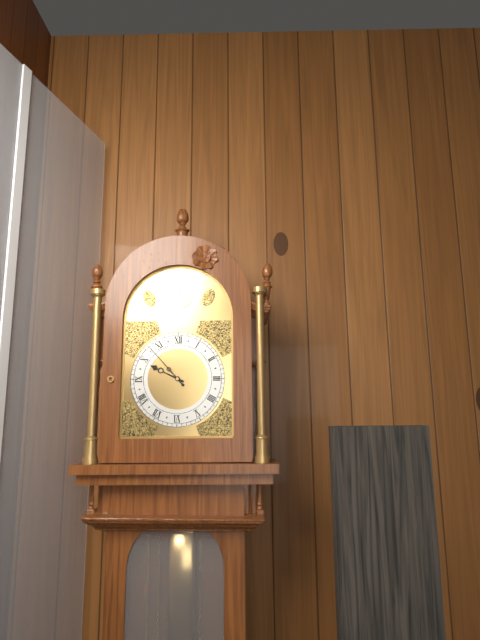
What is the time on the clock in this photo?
9:53
